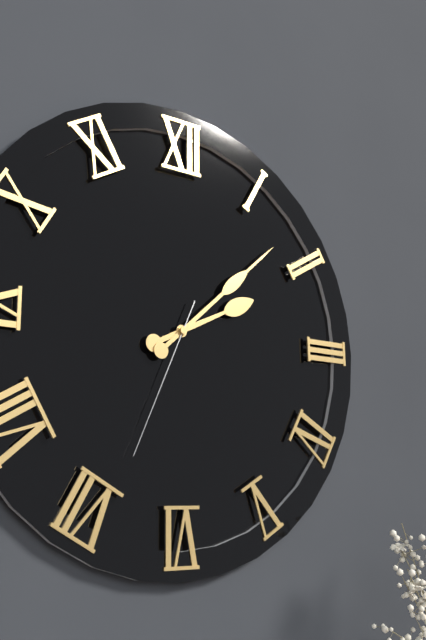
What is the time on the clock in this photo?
2:08:34
